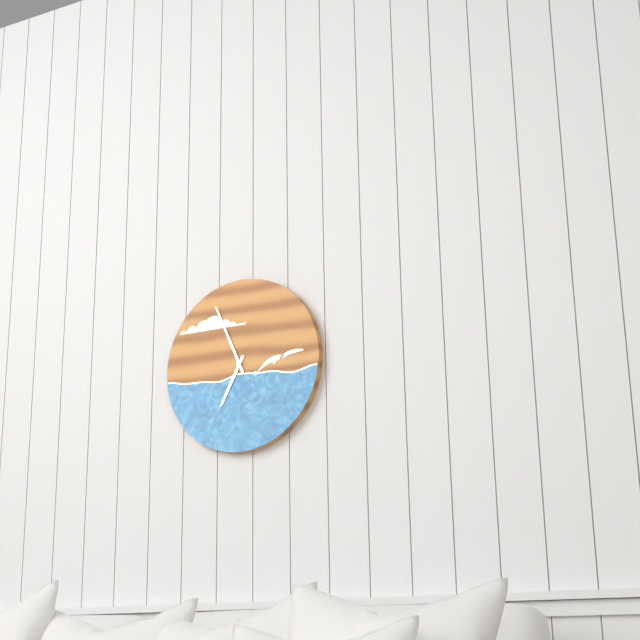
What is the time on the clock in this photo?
6:56
